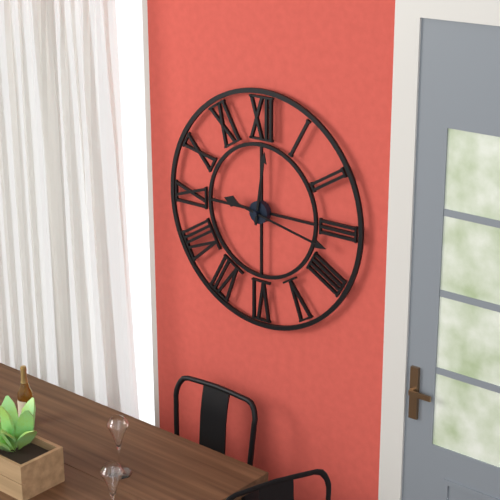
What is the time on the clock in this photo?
12:17
